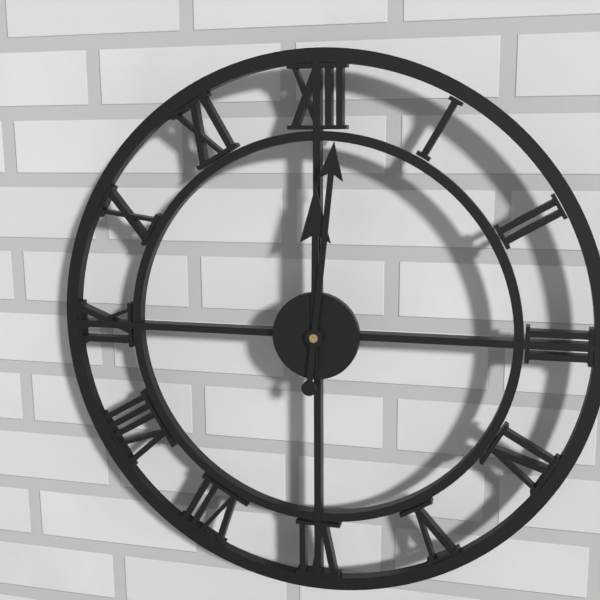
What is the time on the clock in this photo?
12:01
